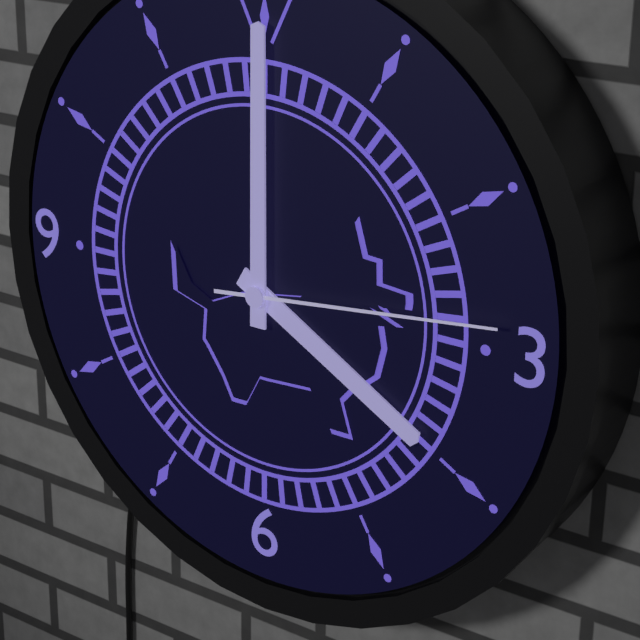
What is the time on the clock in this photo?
4:00:14
